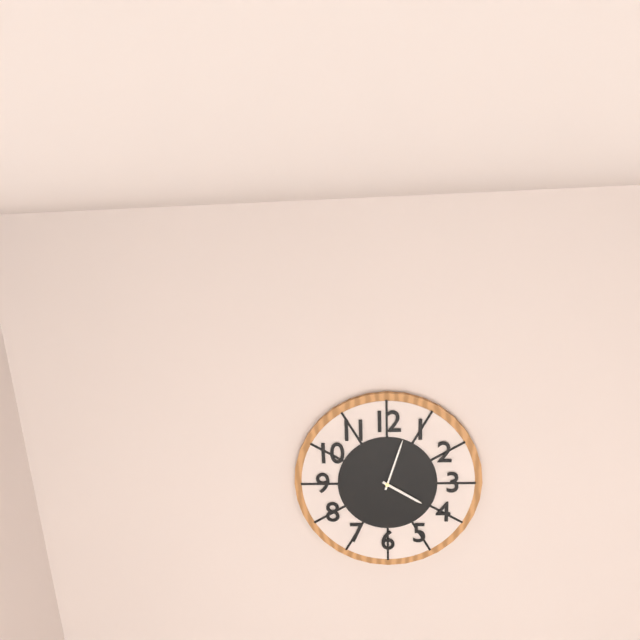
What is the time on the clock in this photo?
4:03
